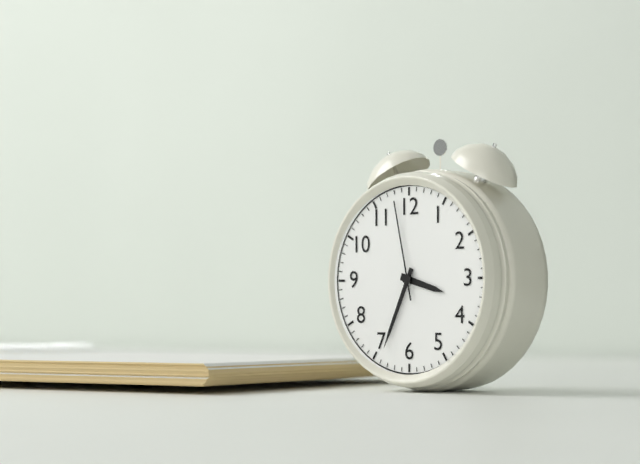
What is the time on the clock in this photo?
3:34:58
